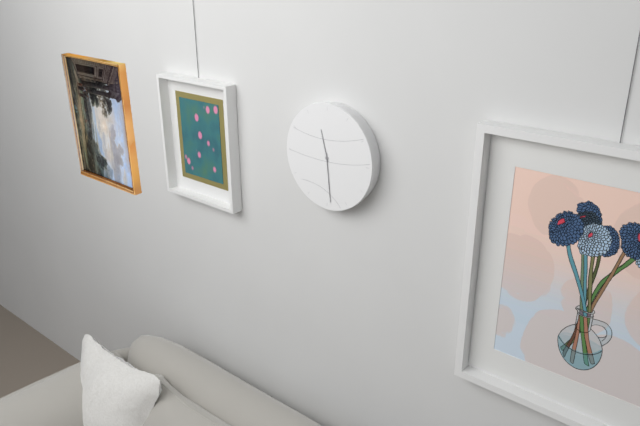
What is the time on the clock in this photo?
11:29
